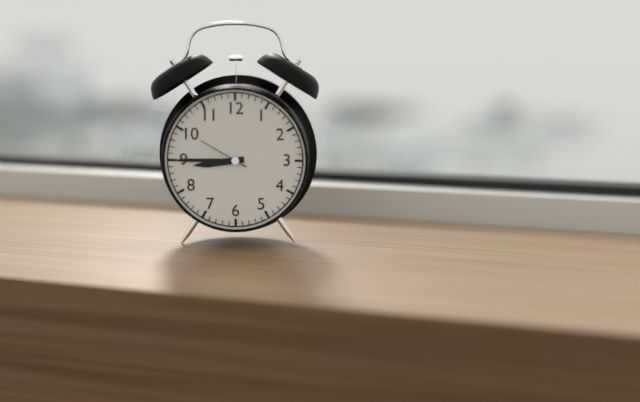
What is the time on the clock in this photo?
8:45
